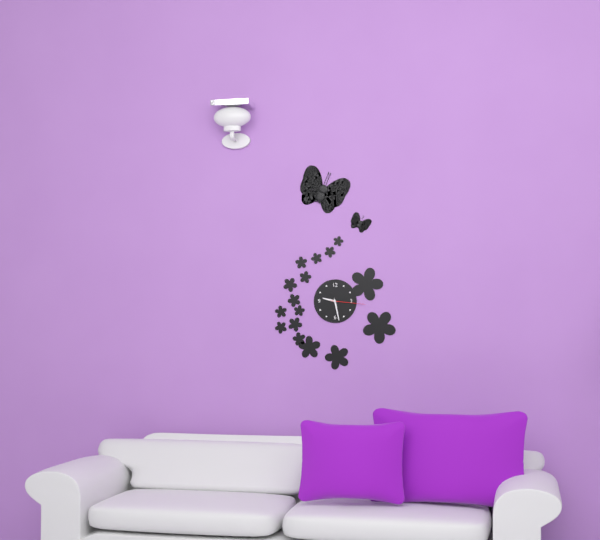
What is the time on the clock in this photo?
9:28
